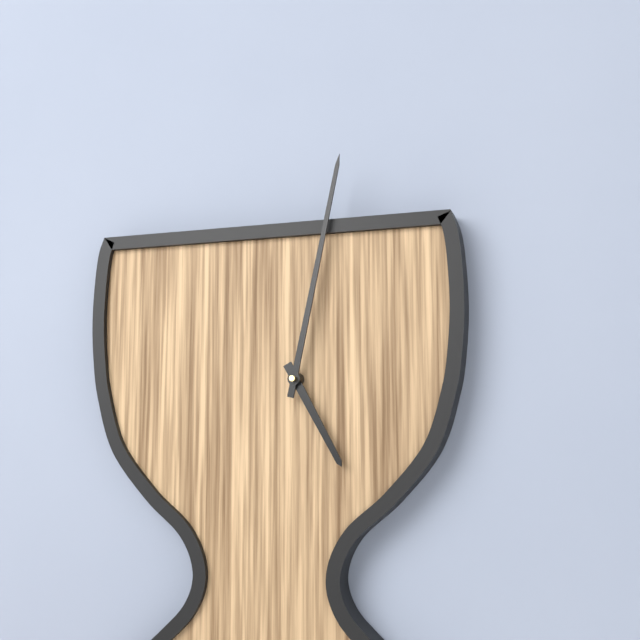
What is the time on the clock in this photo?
5:02
